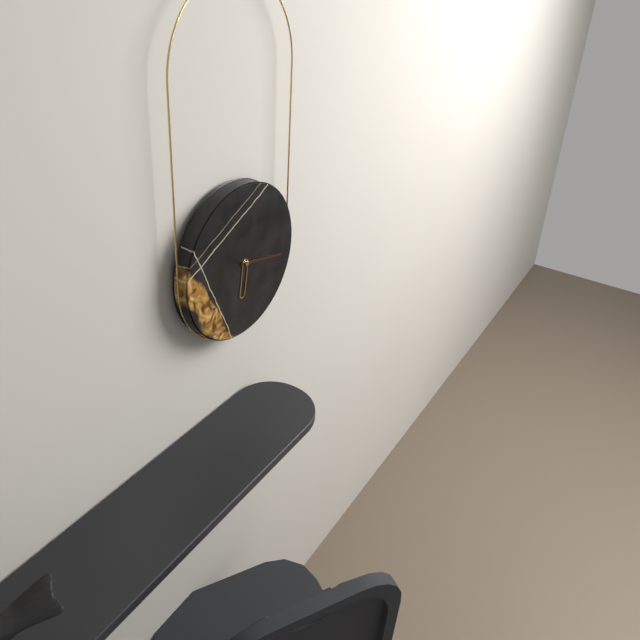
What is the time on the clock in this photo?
6:17
